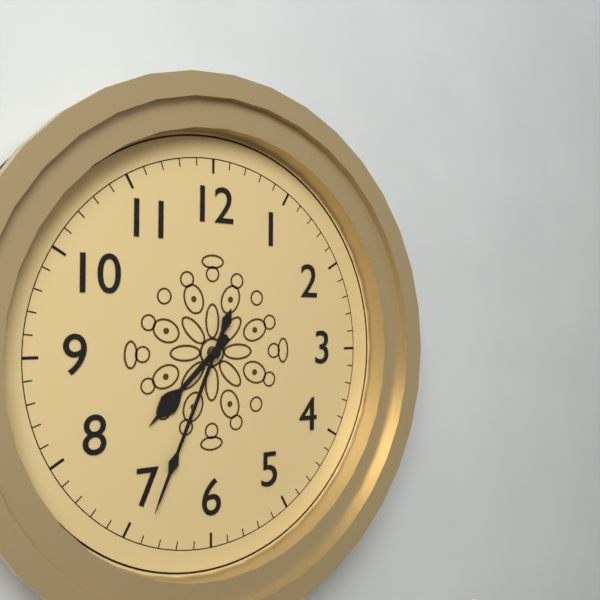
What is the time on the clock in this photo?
7:34
